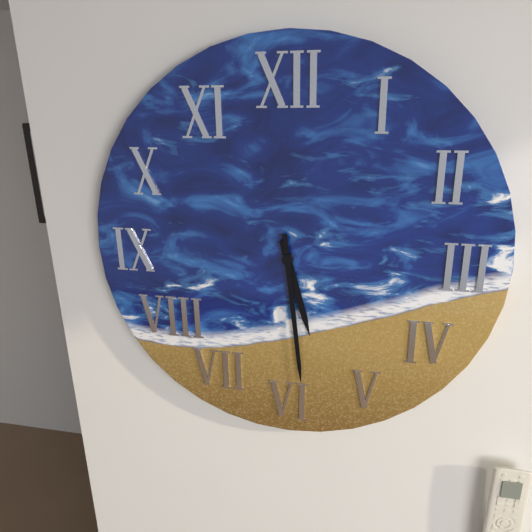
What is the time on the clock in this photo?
5:29
